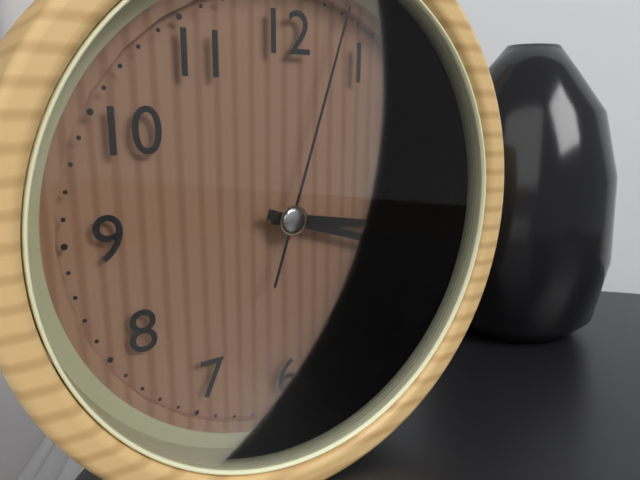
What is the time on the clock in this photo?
3:18:03
